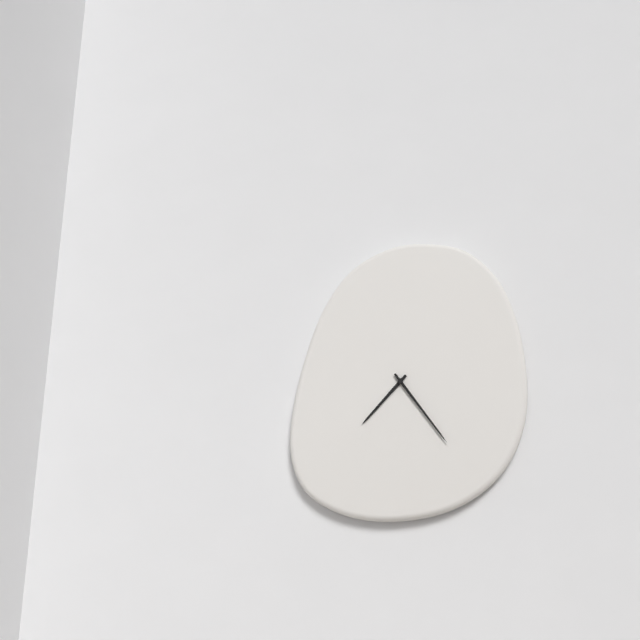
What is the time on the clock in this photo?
7:24
